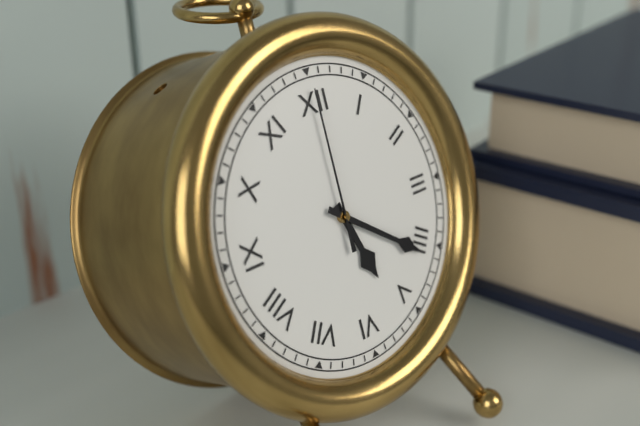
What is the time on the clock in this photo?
5:21:00
